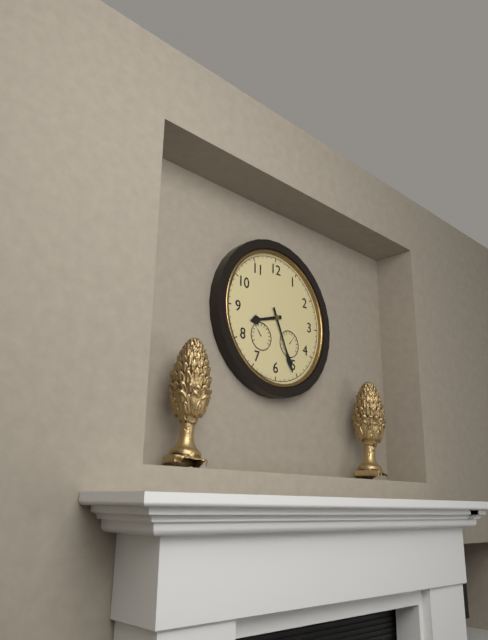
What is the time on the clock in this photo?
8:26
